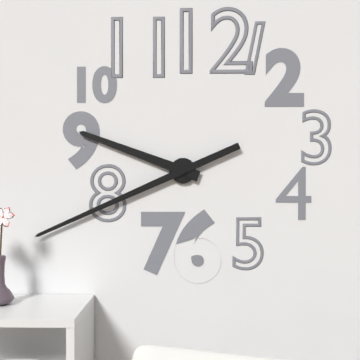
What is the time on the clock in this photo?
9:41
